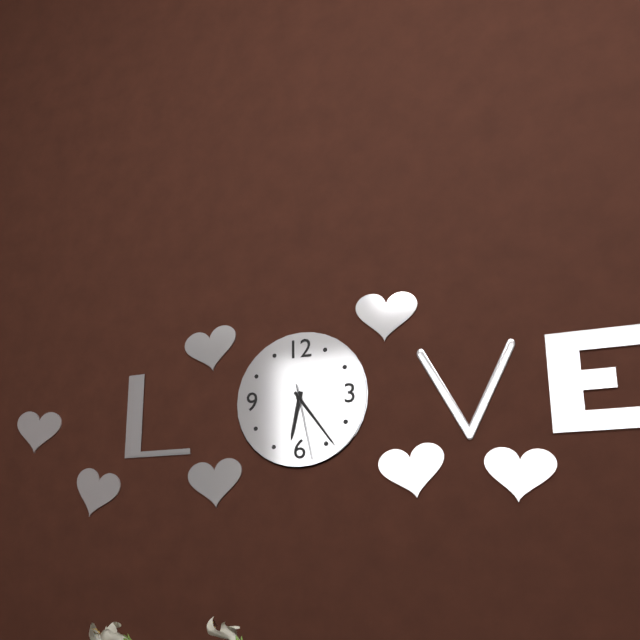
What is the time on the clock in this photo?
6:24:28
